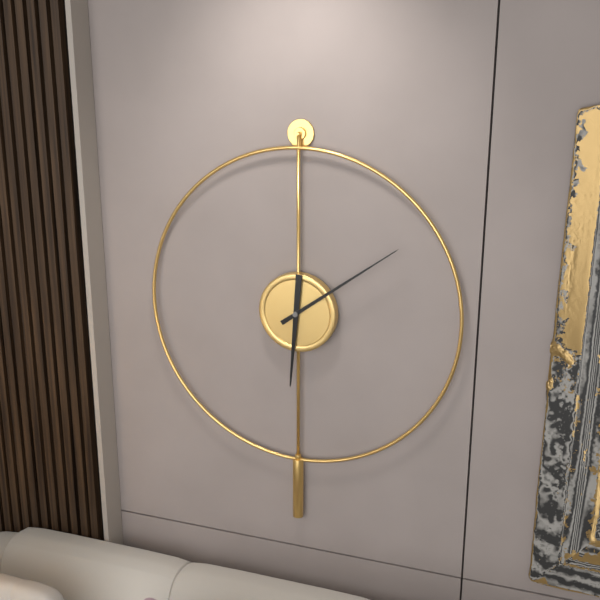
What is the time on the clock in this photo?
6:09
